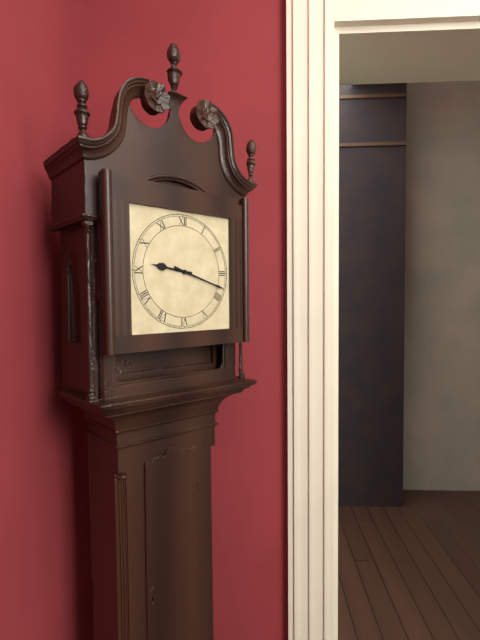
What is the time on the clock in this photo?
9:18
